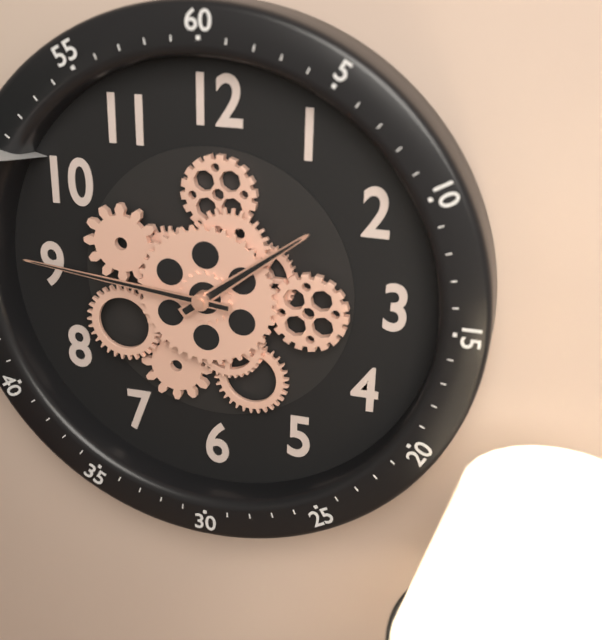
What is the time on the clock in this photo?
1:46
